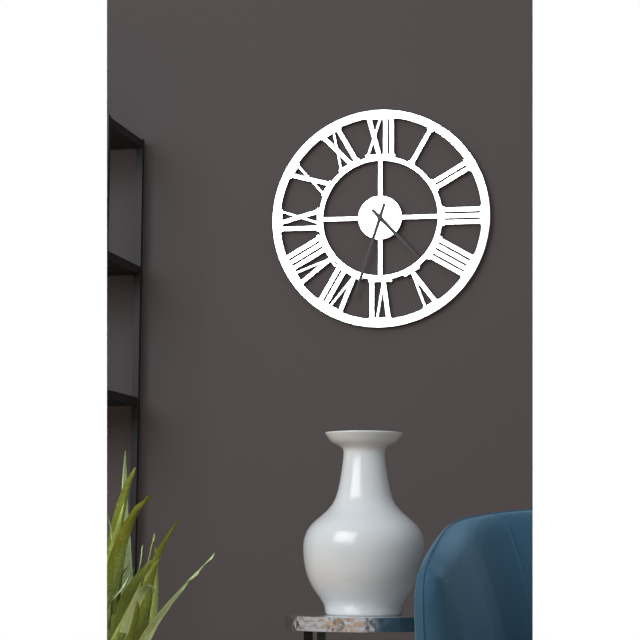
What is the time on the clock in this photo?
4:33
